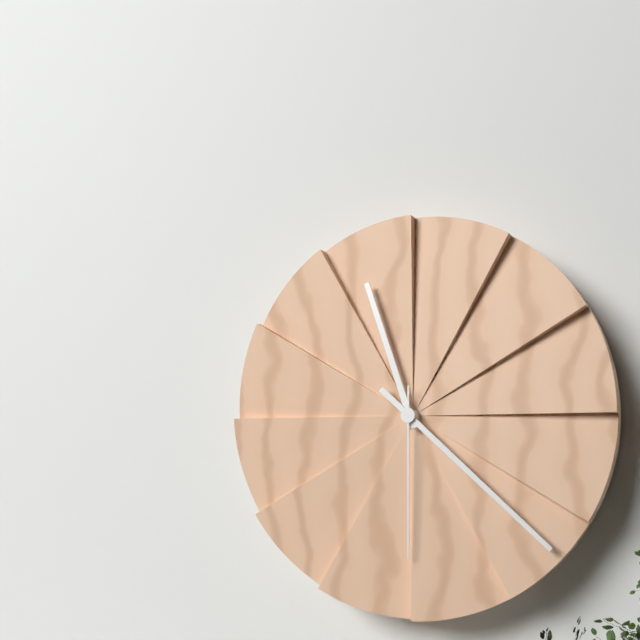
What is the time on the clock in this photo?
11:22:30
